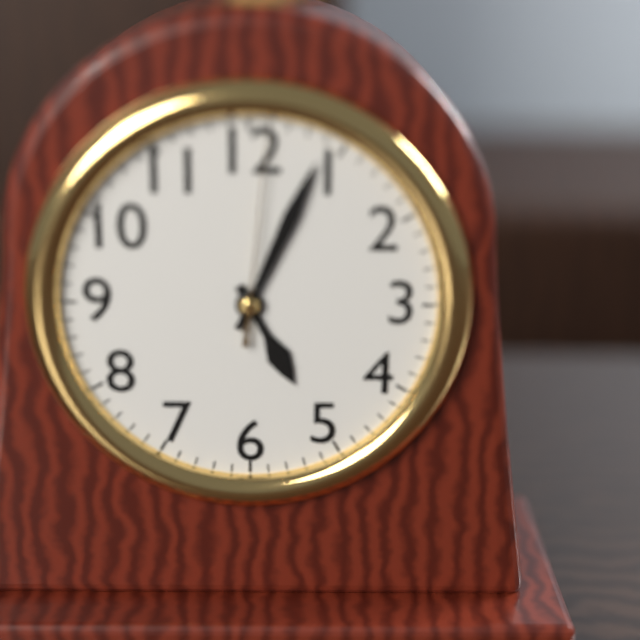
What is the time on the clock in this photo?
5:04:01
